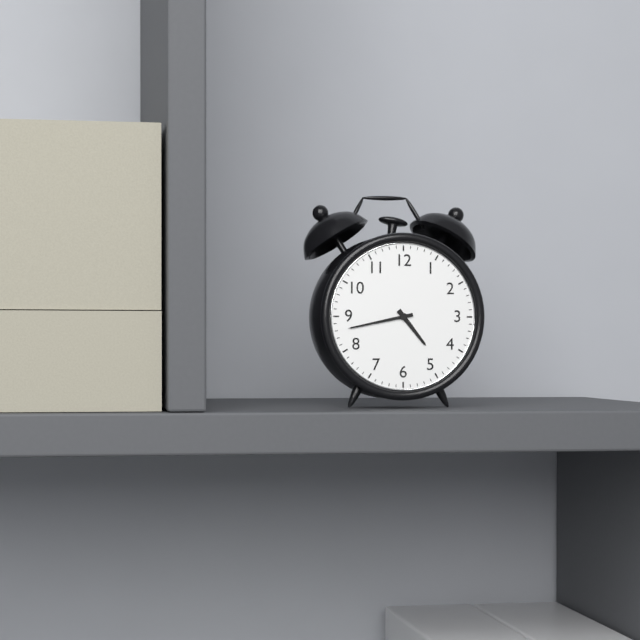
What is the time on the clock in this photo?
4:43
